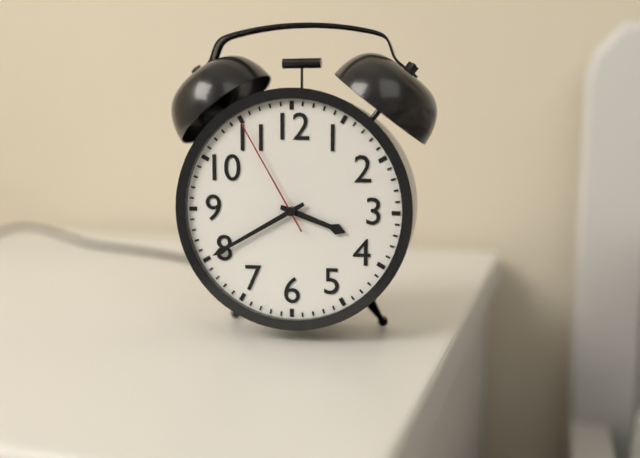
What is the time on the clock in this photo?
3:40:55
